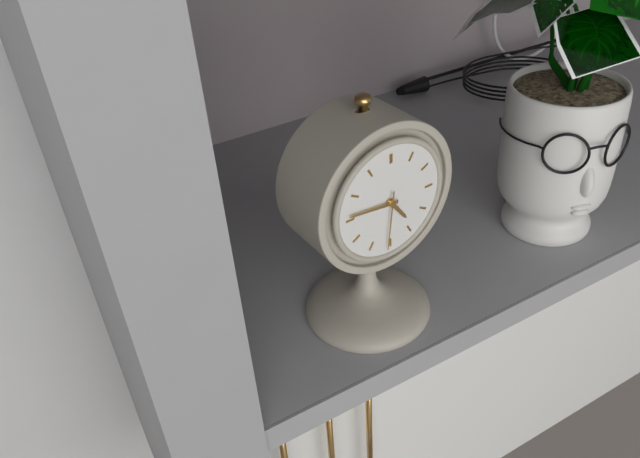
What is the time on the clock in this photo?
4:46:31
